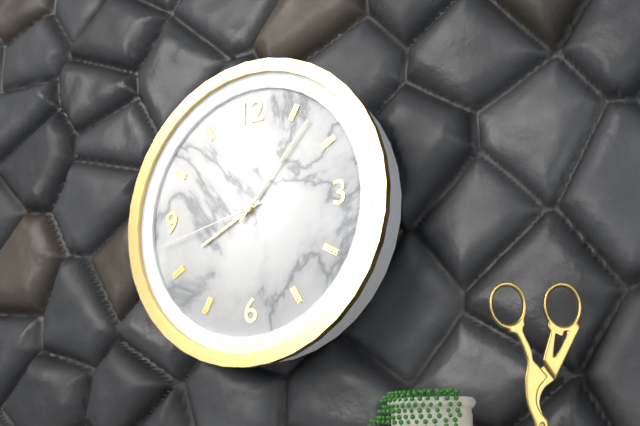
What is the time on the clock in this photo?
8:07:43
